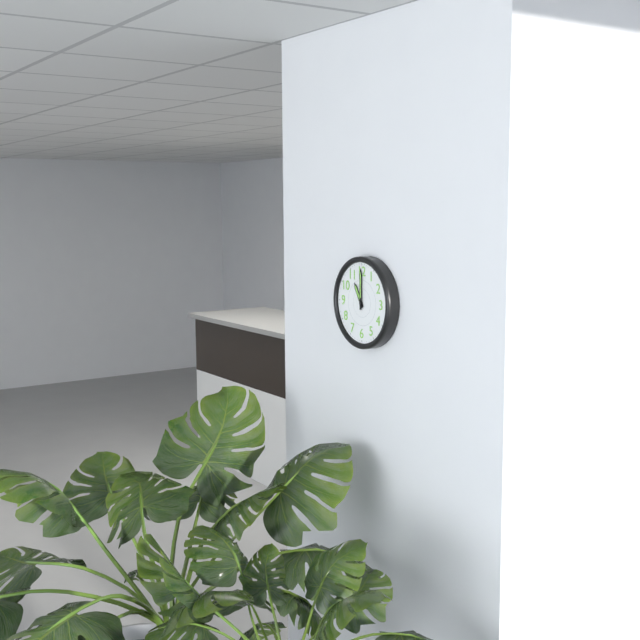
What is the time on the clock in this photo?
11:00
